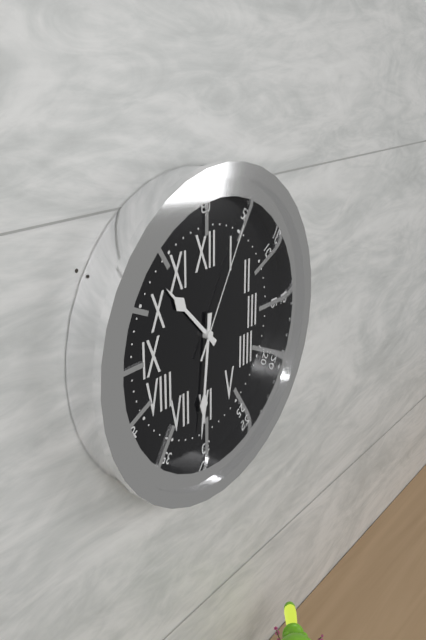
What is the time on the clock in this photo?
10:31:05
